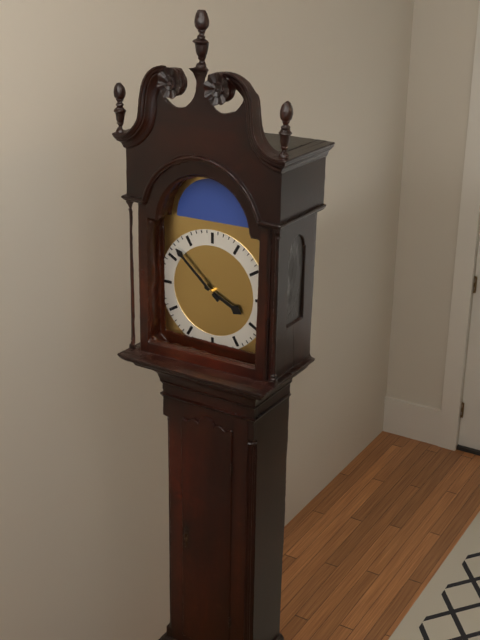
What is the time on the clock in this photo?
3:52
